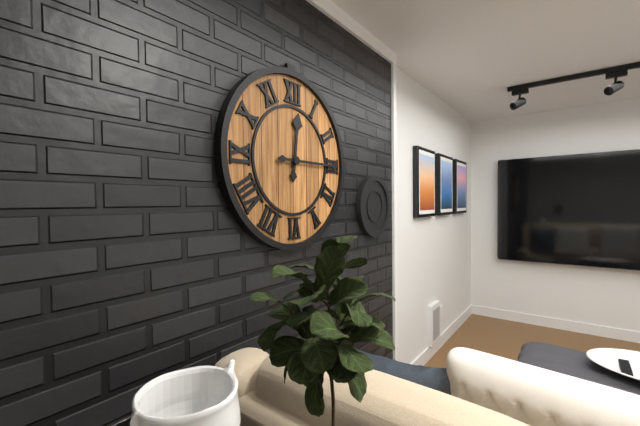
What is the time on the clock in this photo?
12:15
